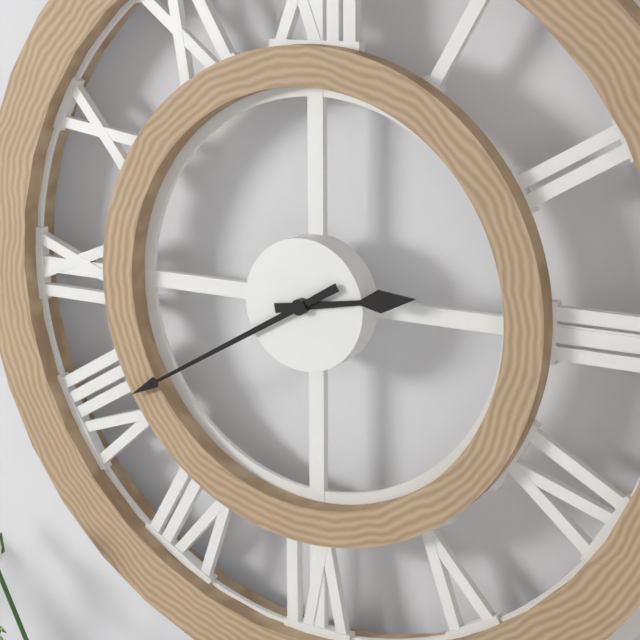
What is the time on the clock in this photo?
2:40
